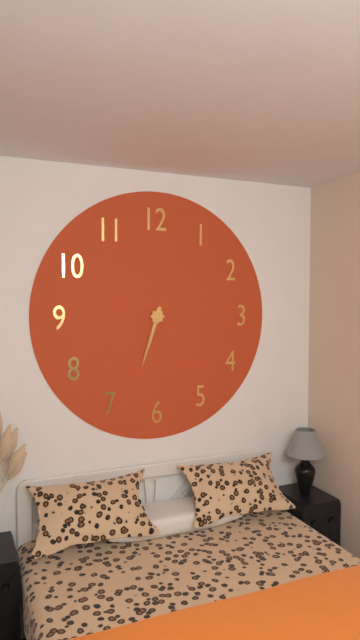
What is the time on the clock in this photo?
6:33
